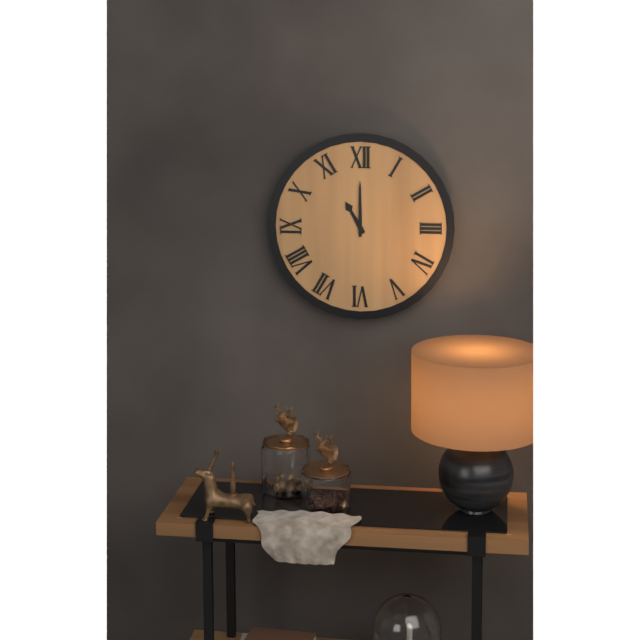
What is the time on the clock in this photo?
11:00
